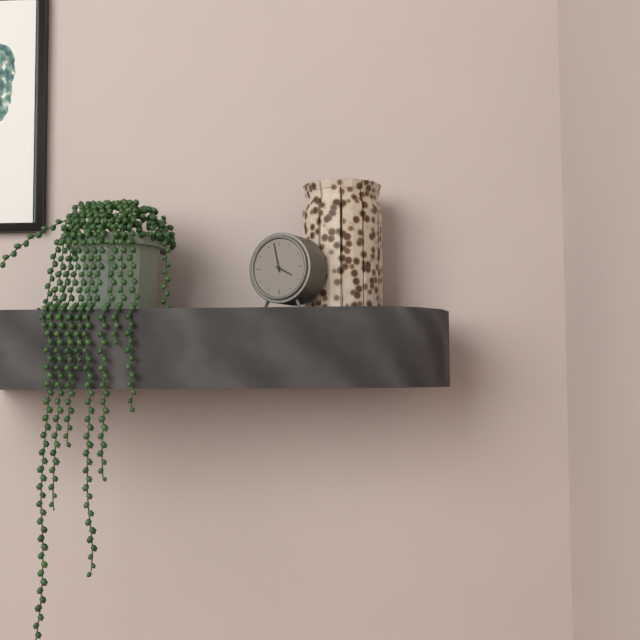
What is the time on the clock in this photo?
3:58
